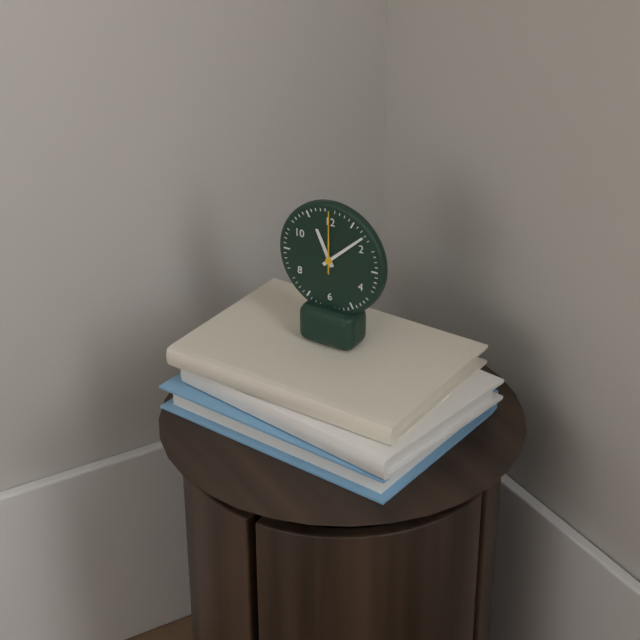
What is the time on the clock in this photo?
11:08:00
